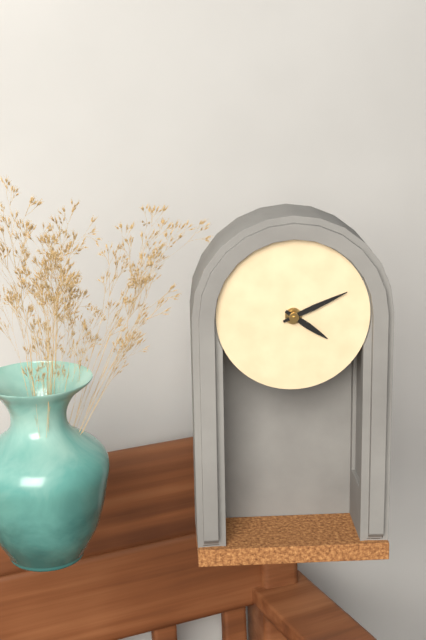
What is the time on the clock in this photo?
4:11
